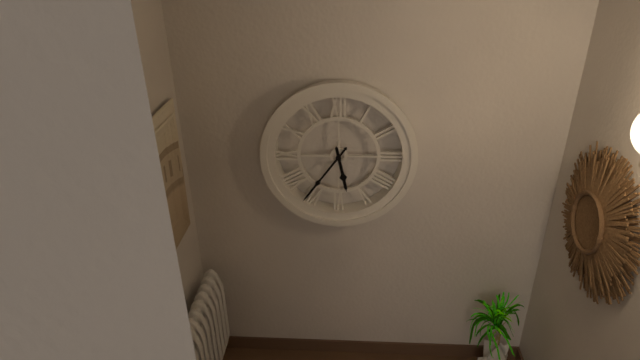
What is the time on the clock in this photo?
5:36
